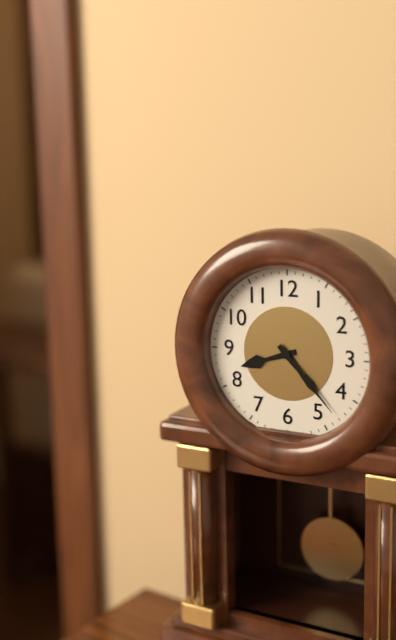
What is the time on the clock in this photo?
8:23
